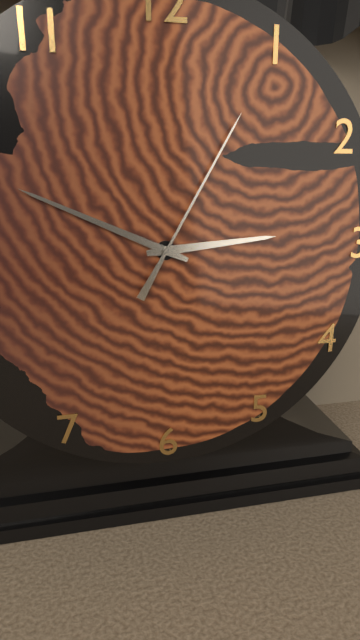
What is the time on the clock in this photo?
2:49:05
